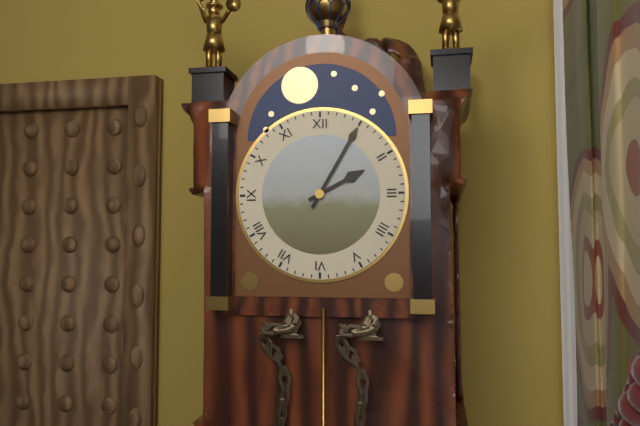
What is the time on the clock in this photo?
2:05
